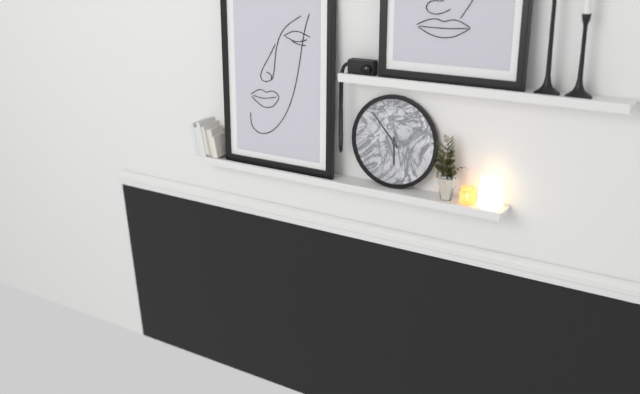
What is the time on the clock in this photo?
5:53
